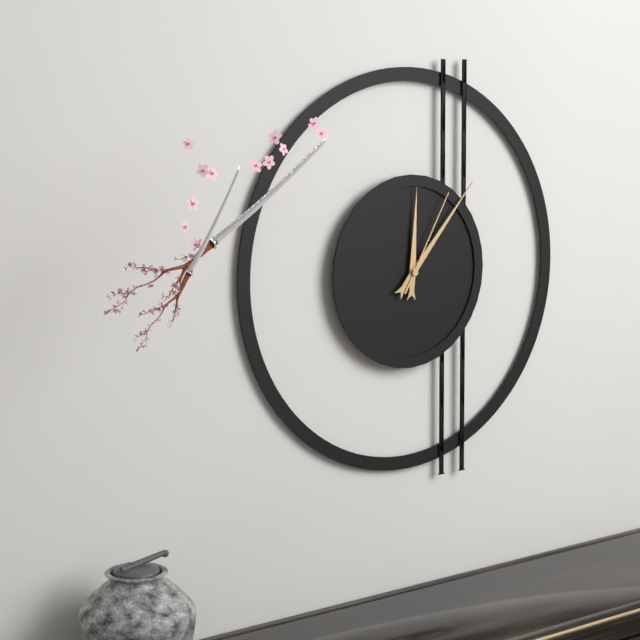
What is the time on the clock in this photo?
12:07:05
